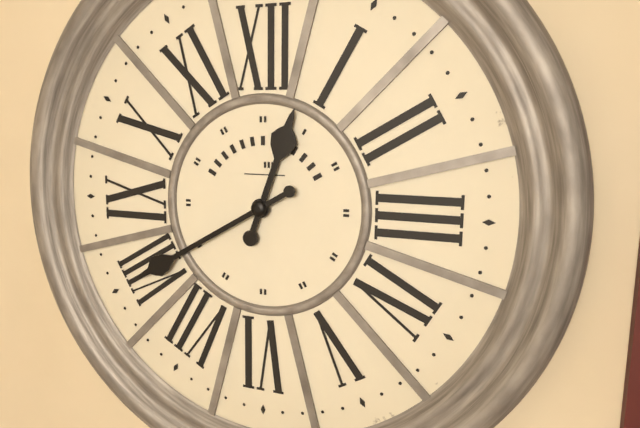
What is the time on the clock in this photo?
12:40
